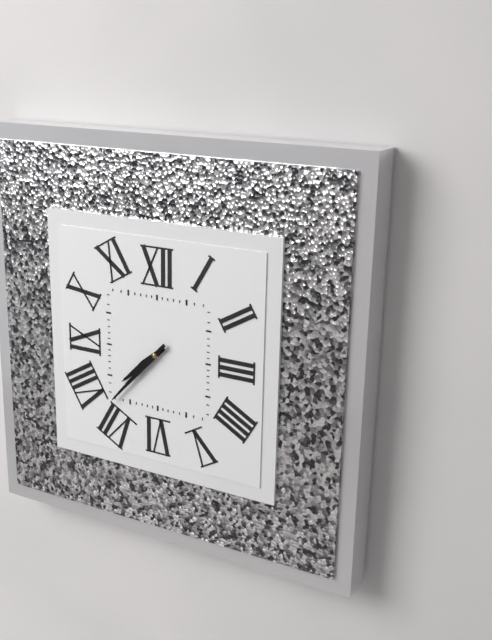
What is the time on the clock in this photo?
7:37
